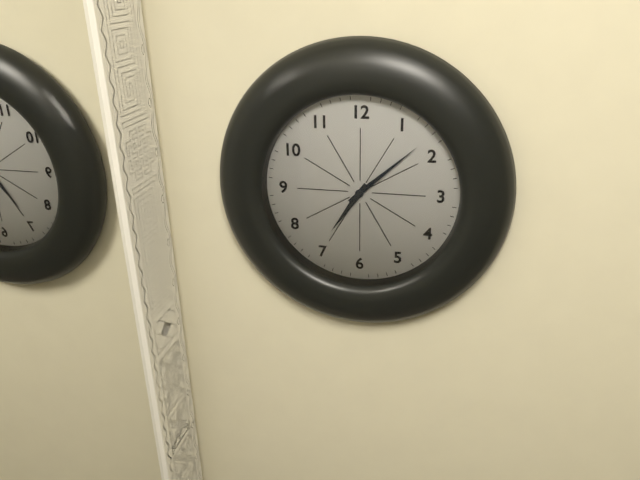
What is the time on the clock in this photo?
7:08
